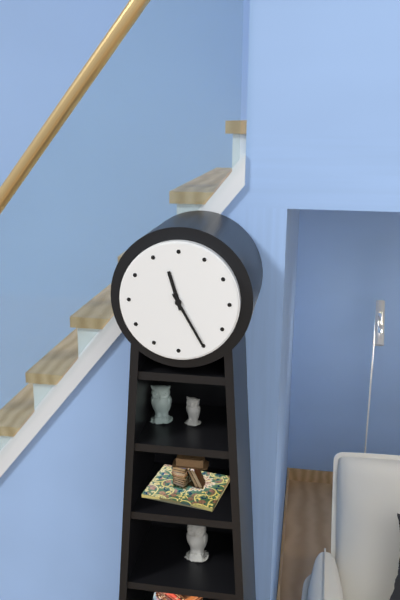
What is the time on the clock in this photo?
11:25
